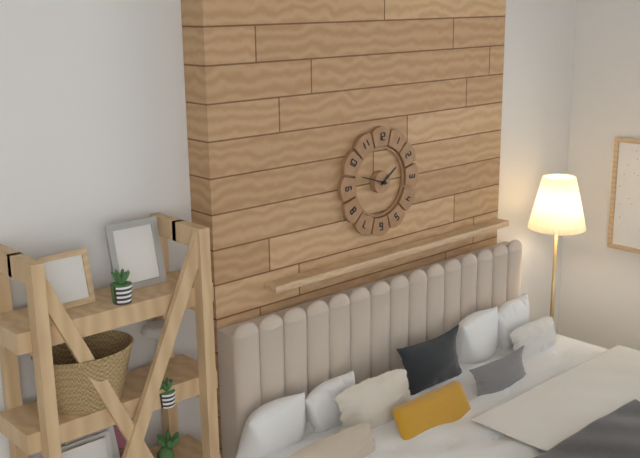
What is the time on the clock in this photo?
1:48
